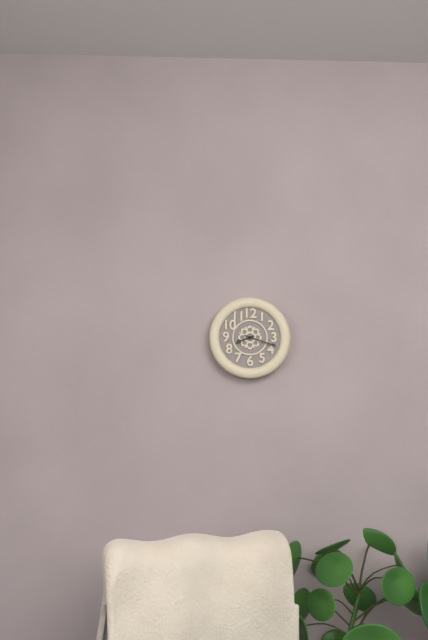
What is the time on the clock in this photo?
8:18
